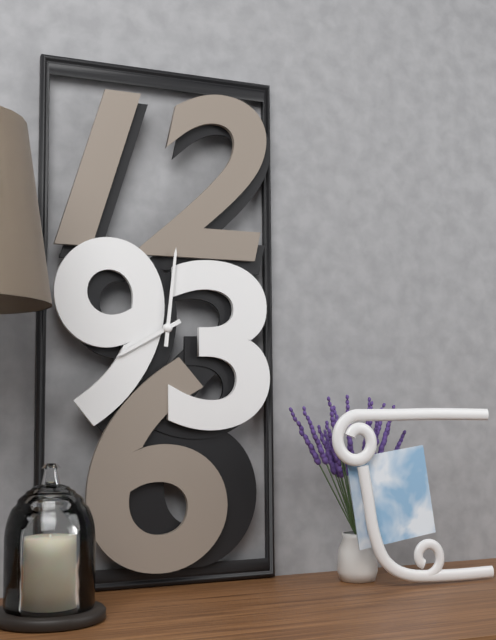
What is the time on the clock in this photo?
8:01
